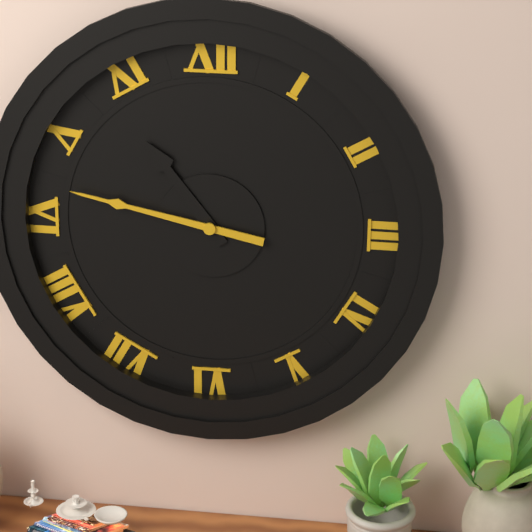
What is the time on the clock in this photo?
10:47
